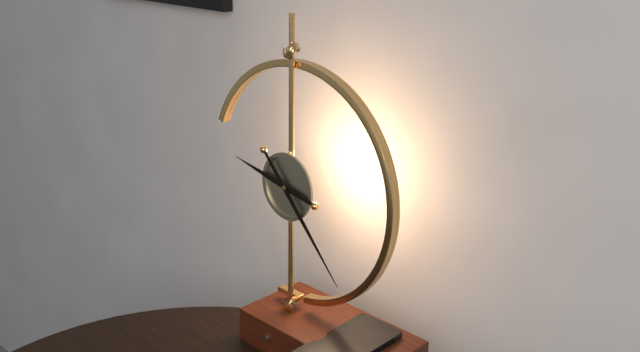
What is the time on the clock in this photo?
9:23
